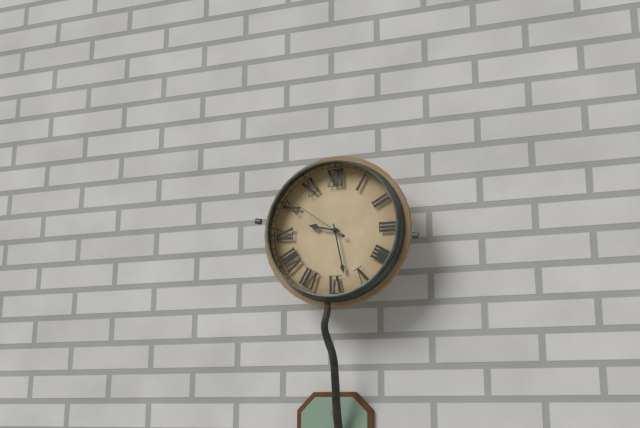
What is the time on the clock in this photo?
9:28:51
